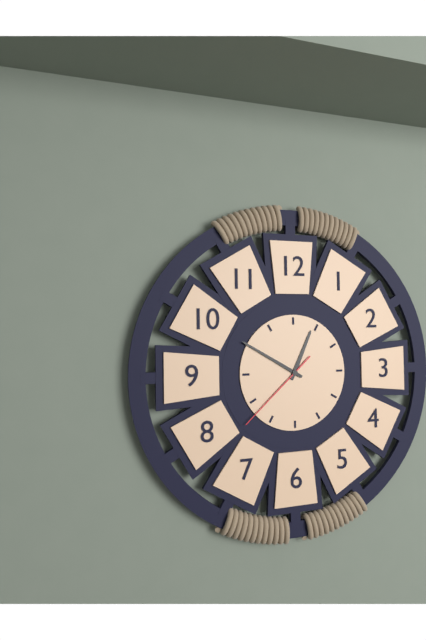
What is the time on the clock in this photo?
12:50:38
